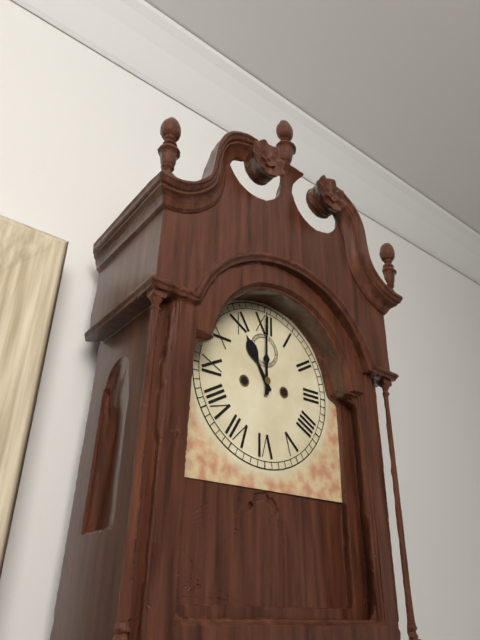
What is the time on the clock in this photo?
11:00
